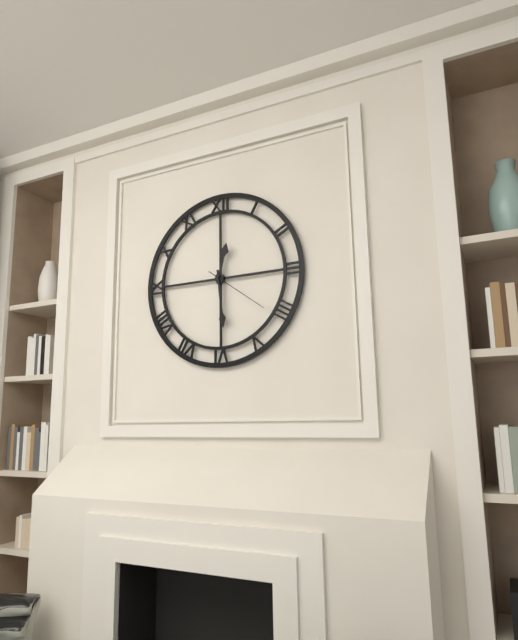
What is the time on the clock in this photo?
12:29:21
